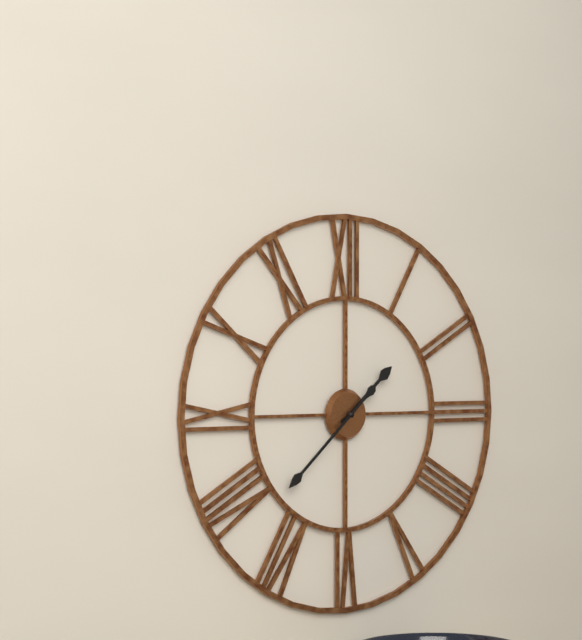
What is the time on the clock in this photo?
1:38
